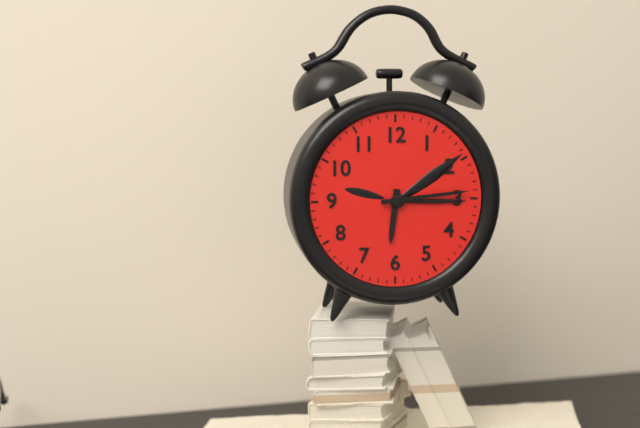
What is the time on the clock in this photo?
6:14
